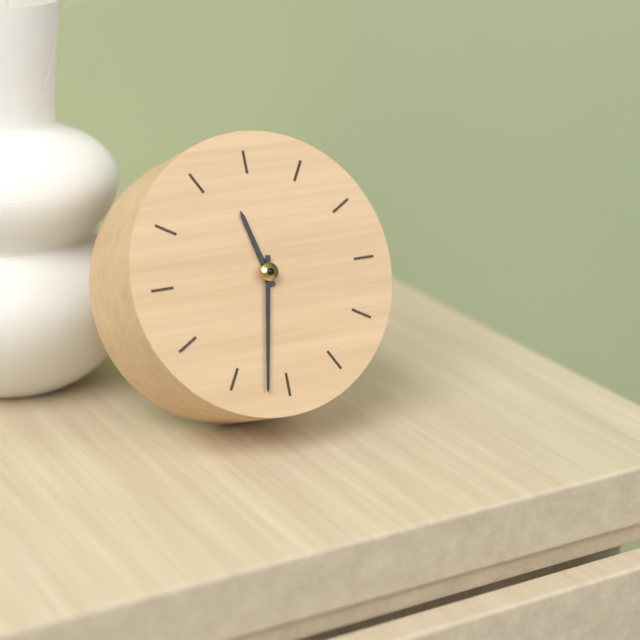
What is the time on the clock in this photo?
11:32
